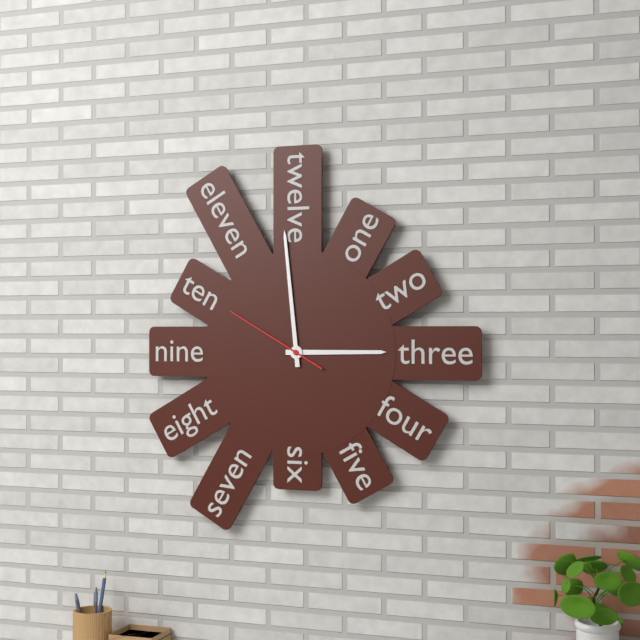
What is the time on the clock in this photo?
2:59:50
